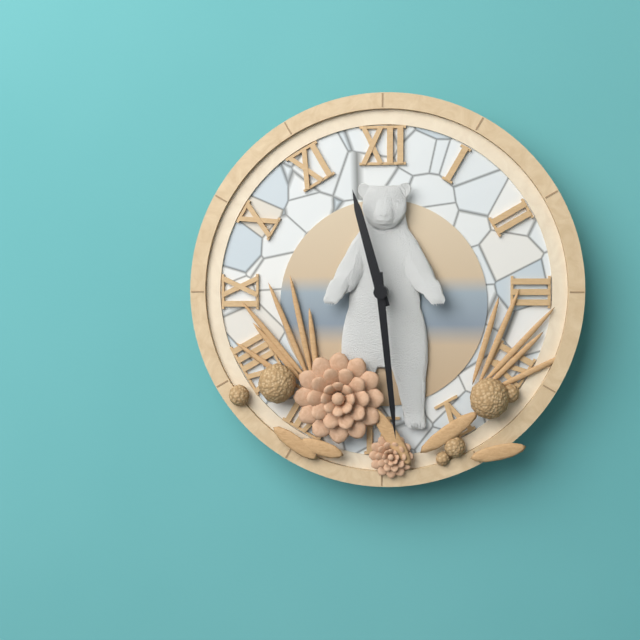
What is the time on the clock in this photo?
11:29
